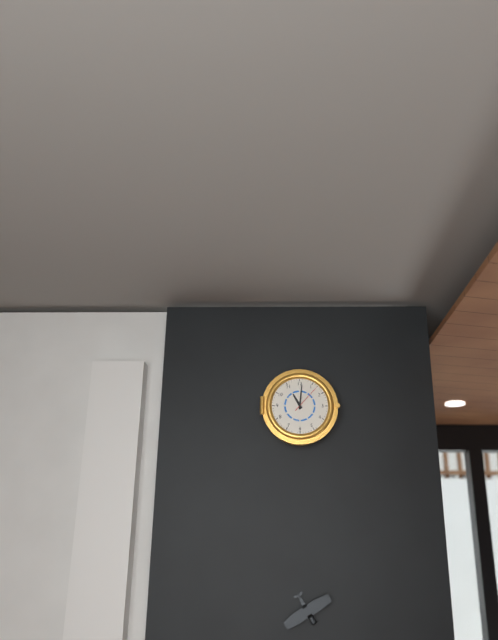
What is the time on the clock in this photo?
11:01
